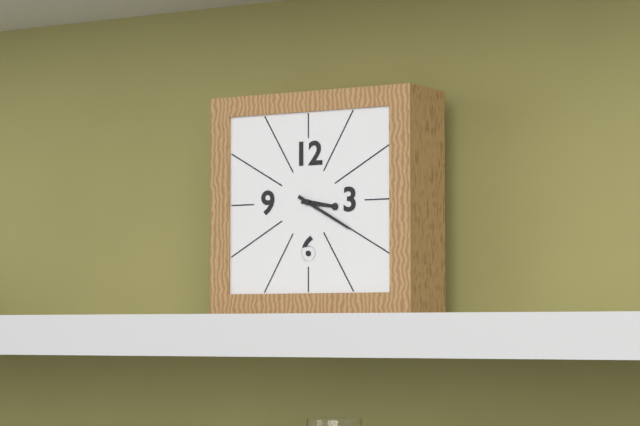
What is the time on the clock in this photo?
3:20
